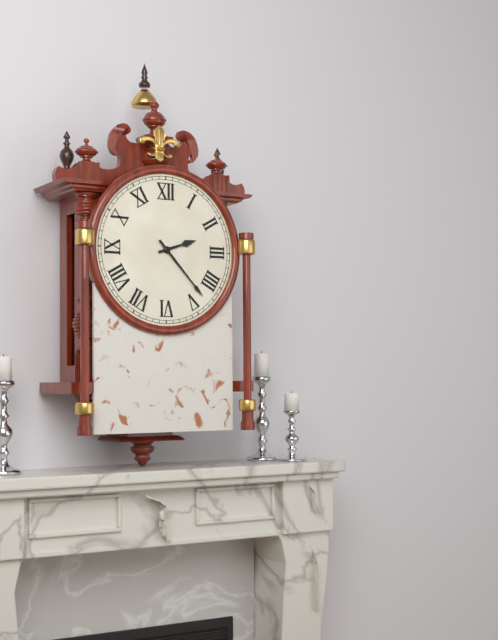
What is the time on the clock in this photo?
2:23
